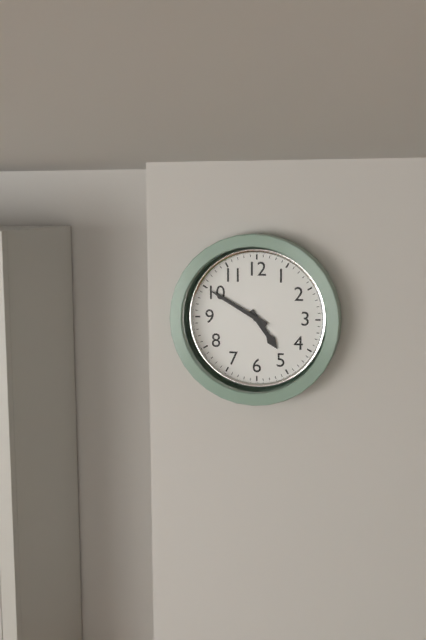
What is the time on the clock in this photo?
4:50
